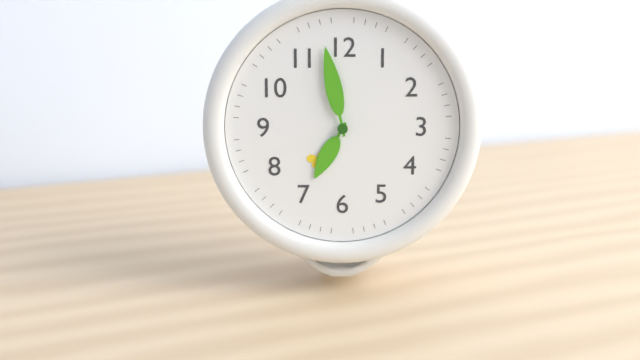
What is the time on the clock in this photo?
6:58
